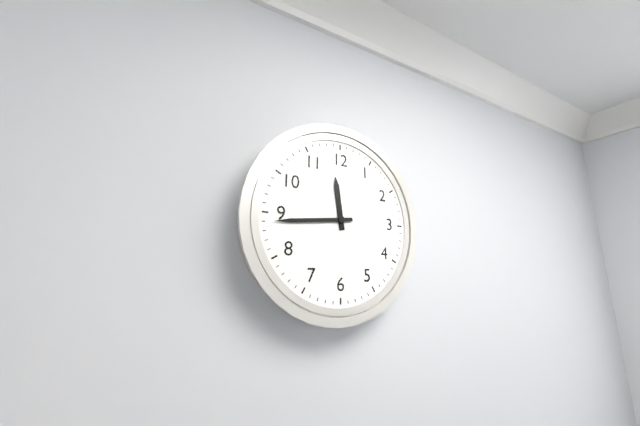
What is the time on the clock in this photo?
11:44
